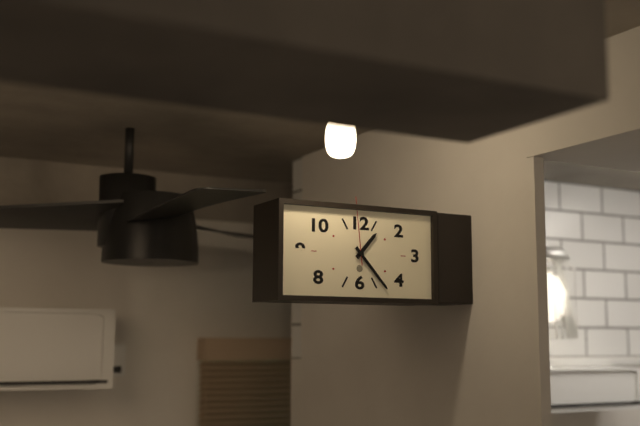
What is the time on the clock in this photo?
1:23:59
